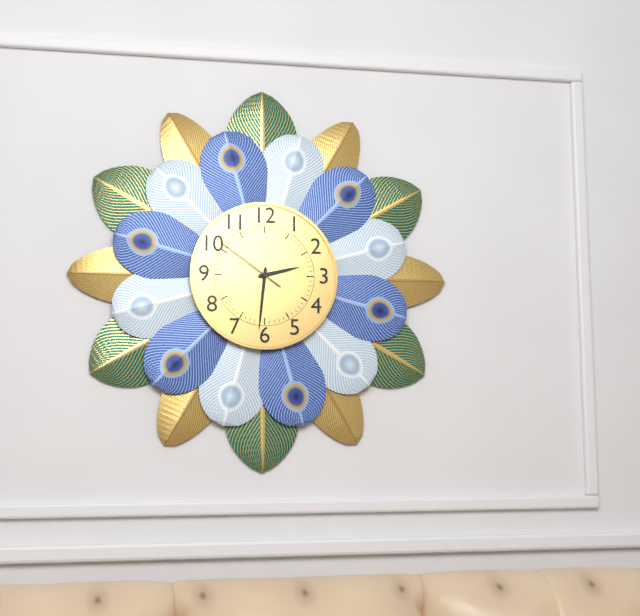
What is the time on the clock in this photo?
2:31:51
